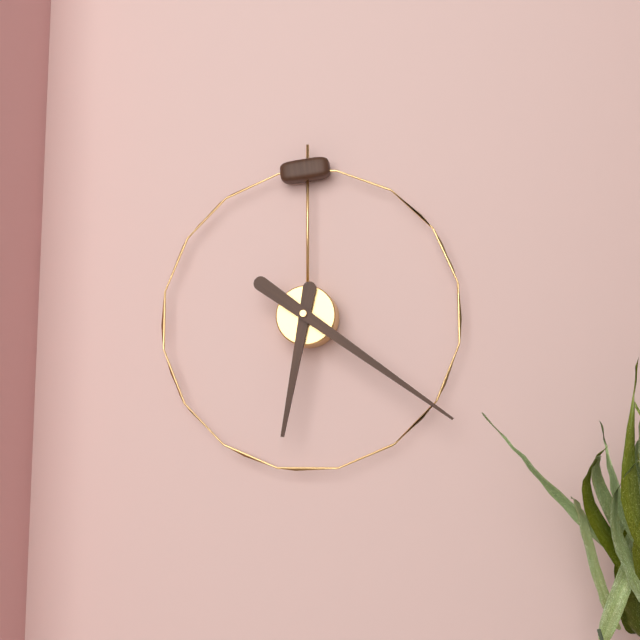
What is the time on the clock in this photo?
6:21
